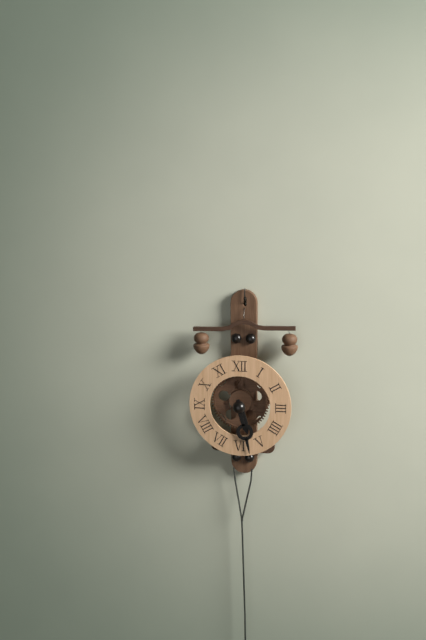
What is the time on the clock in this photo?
5:28
